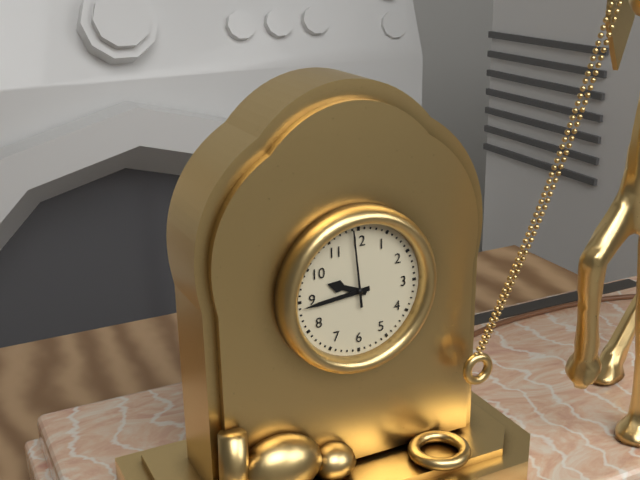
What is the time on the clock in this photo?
9:44:59
